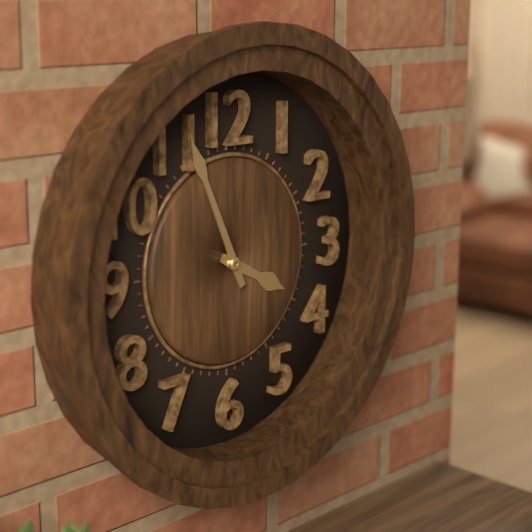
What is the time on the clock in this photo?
3:56
